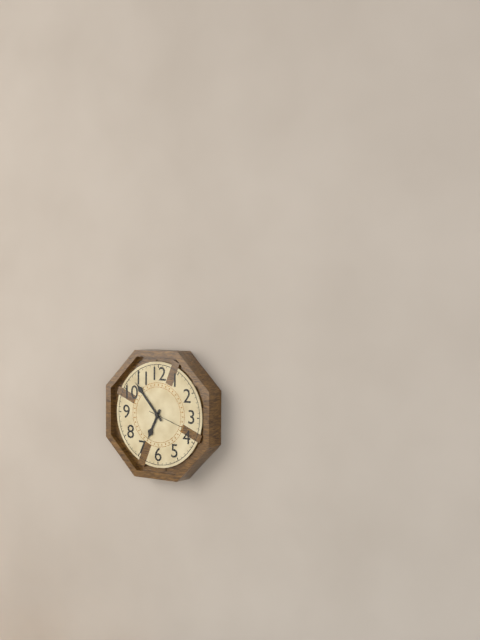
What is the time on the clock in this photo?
6:53
